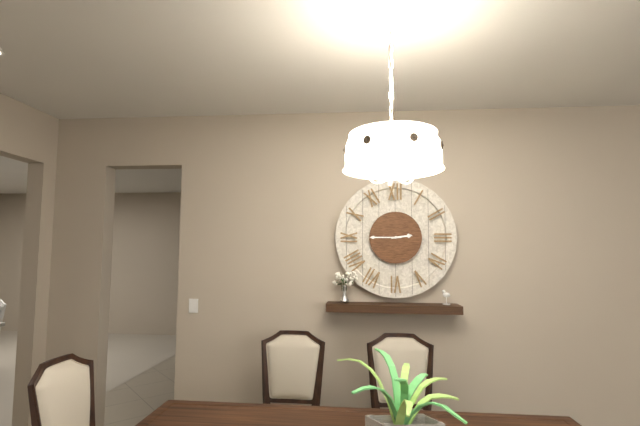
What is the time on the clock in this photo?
2:45
